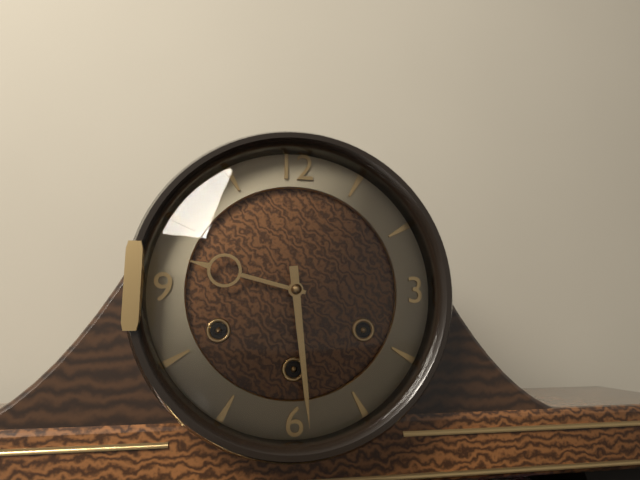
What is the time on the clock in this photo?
9:29
